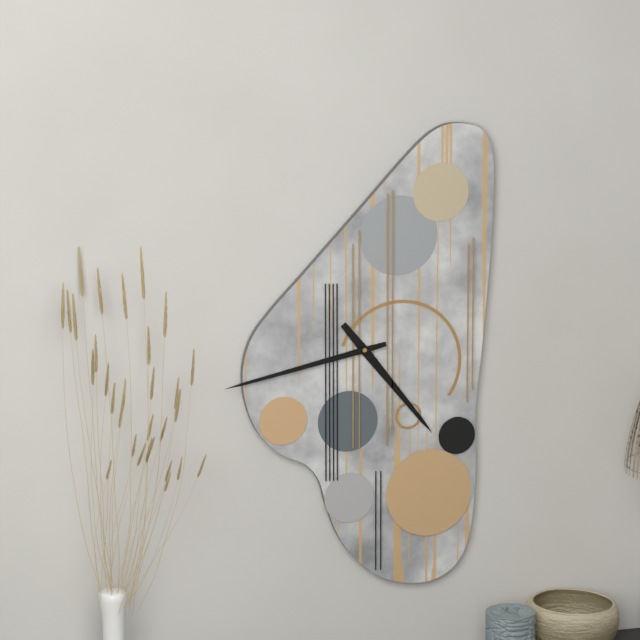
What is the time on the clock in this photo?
4:43
